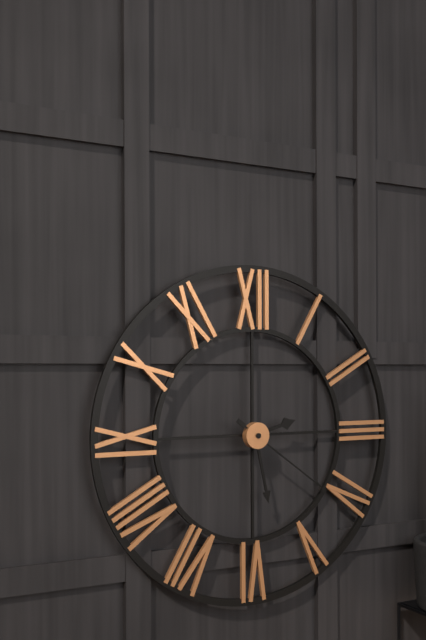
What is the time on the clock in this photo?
2:28:21
